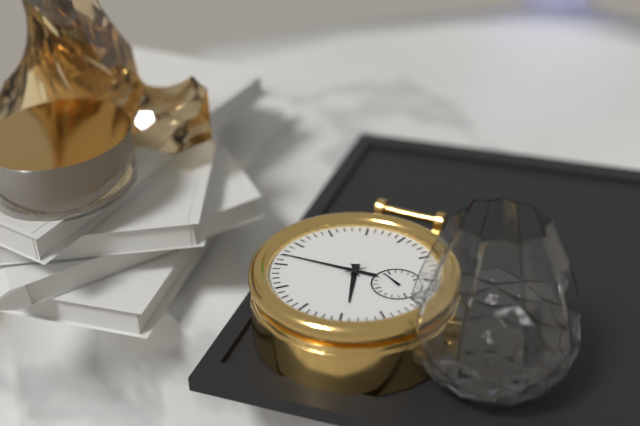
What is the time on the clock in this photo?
6:52
